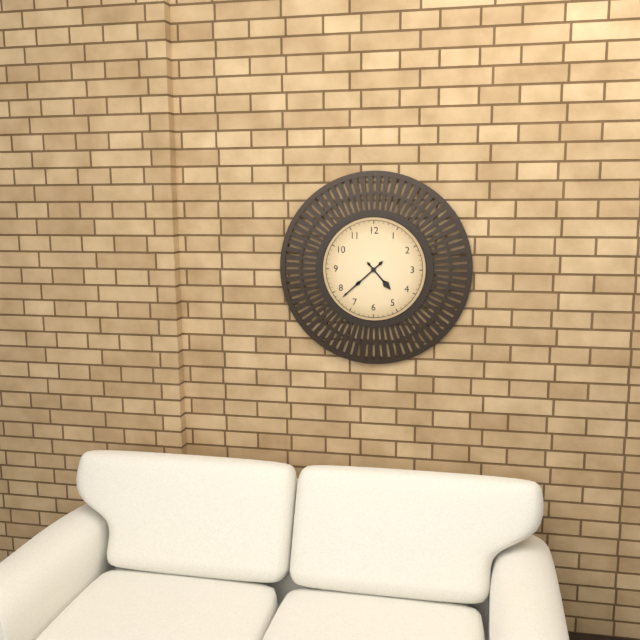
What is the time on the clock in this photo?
4:38
